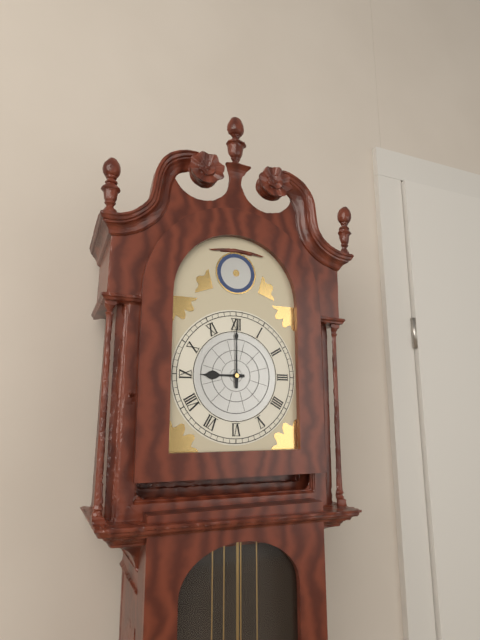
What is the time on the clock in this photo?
9:00
